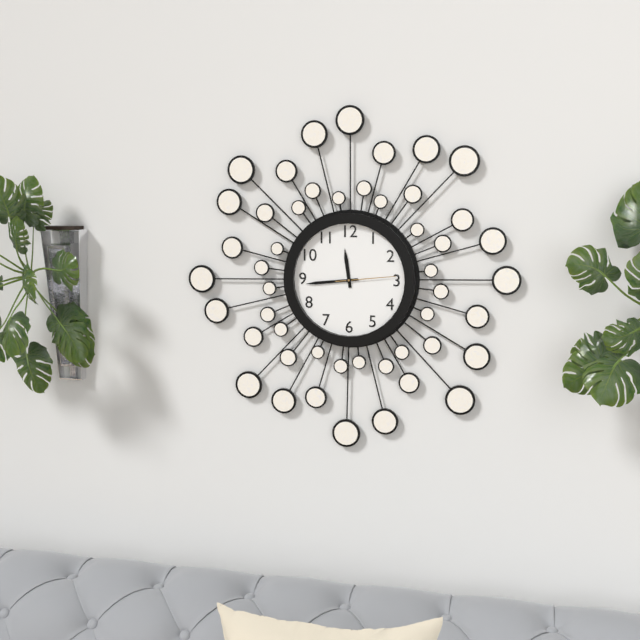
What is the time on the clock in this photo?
11:44:14
